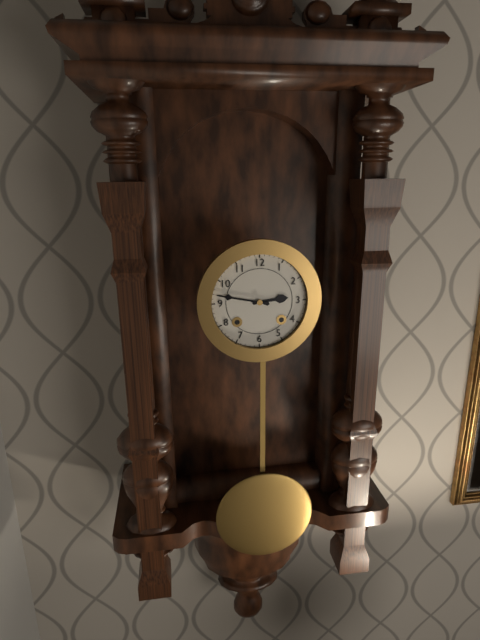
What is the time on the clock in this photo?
2:47
